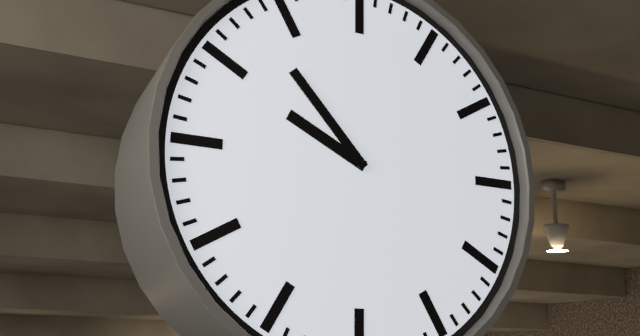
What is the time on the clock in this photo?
9:53
